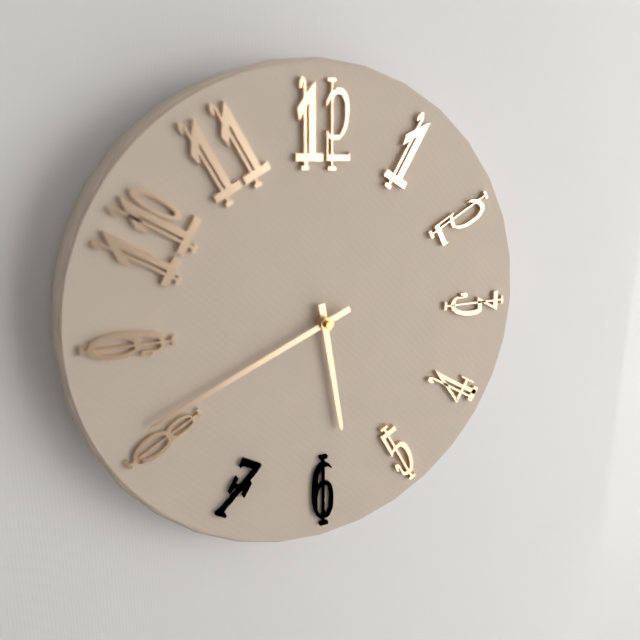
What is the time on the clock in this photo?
5:41
